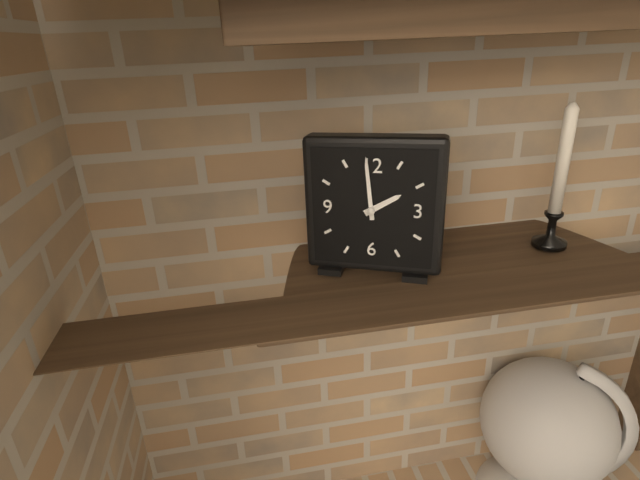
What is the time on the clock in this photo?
1:59
